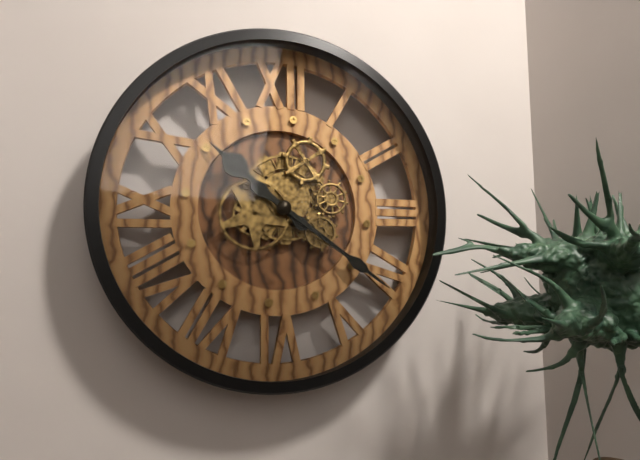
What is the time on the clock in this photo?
10:21
